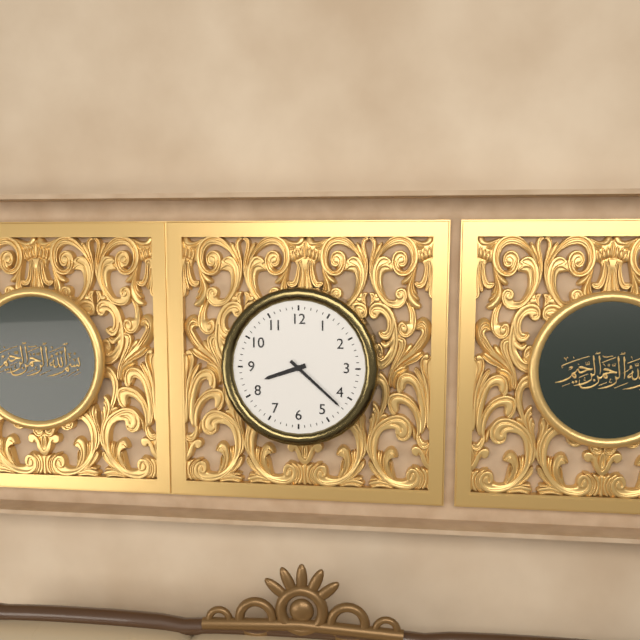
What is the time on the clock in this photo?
8:22
